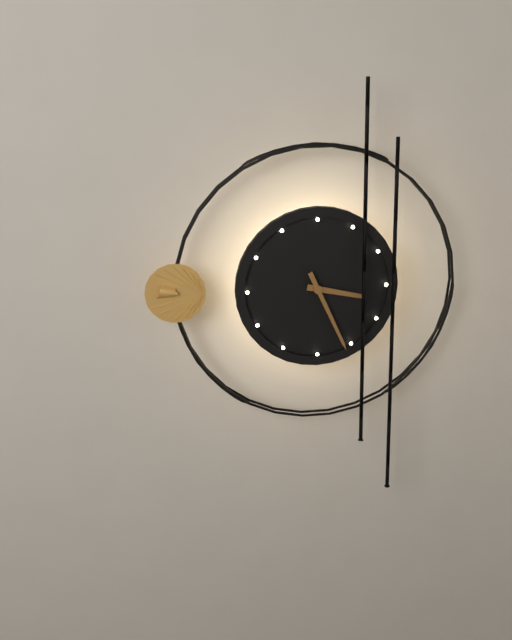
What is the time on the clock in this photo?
3:26
